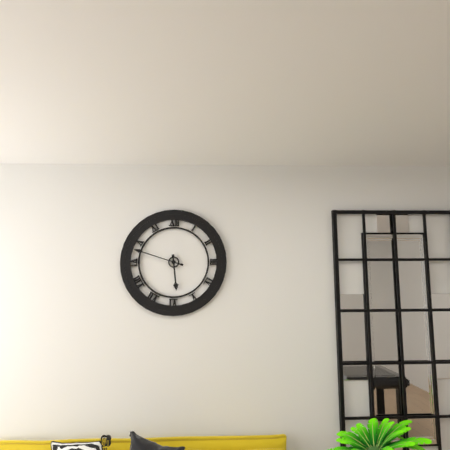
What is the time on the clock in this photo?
5:48
